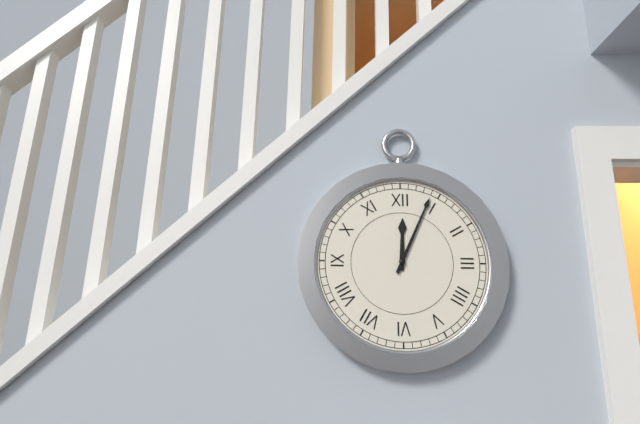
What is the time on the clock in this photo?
12:04
